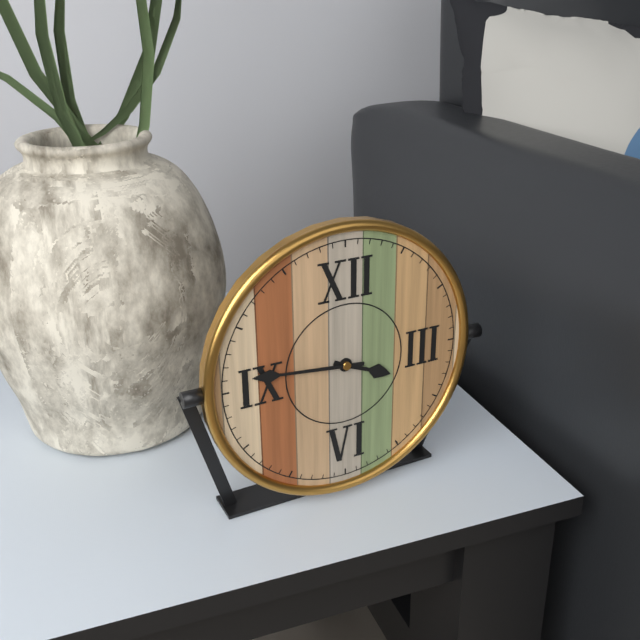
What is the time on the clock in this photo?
3:46
